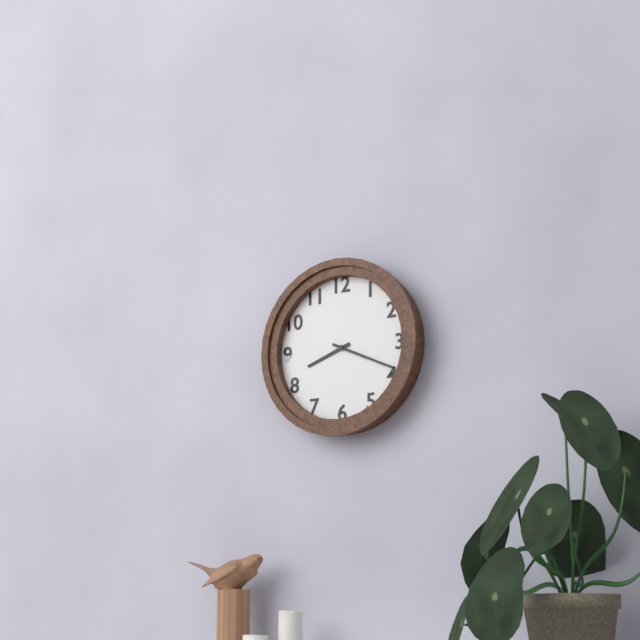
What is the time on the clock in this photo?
8:19
